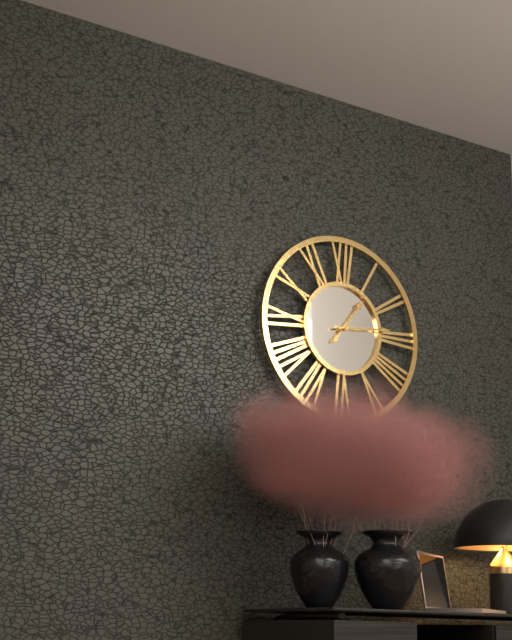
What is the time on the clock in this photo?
1:14
